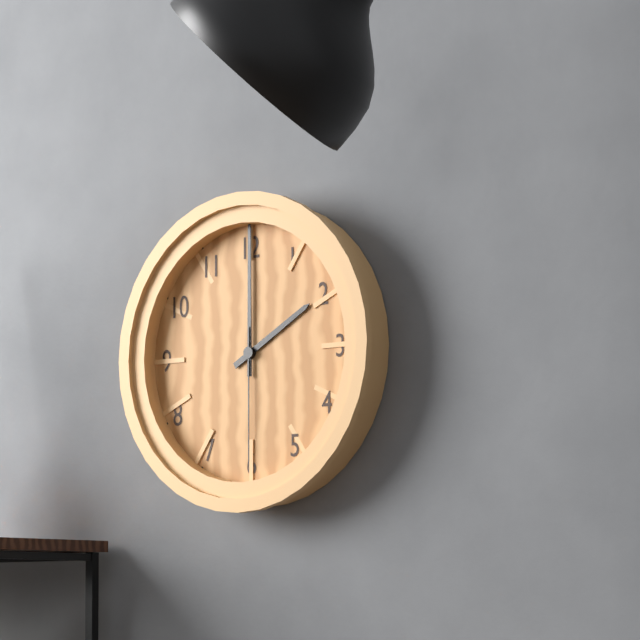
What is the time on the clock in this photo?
2:00:30
